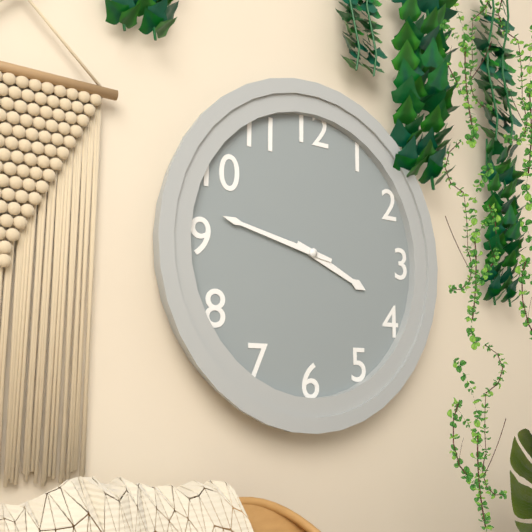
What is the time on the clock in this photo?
3:47
